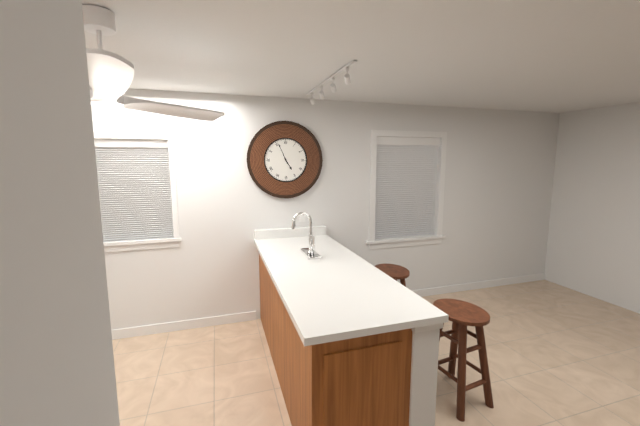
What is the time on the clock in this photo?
4:56
